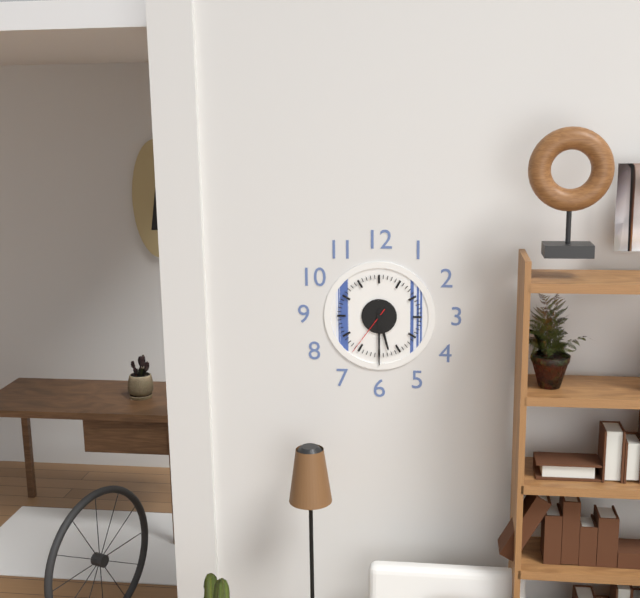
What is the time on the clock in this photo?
5:30:36
